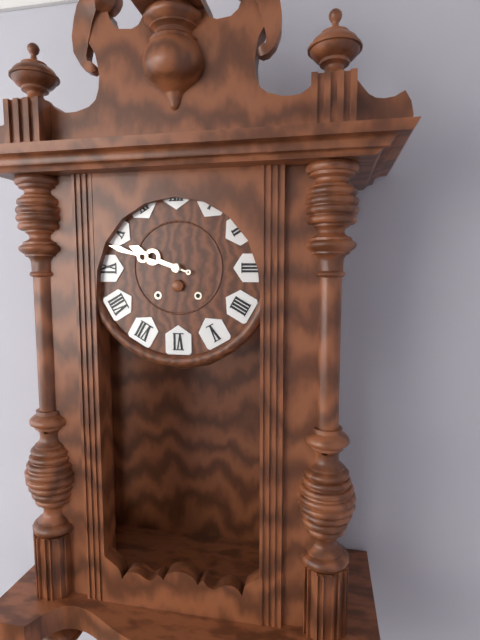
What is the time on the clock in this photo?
9:48
